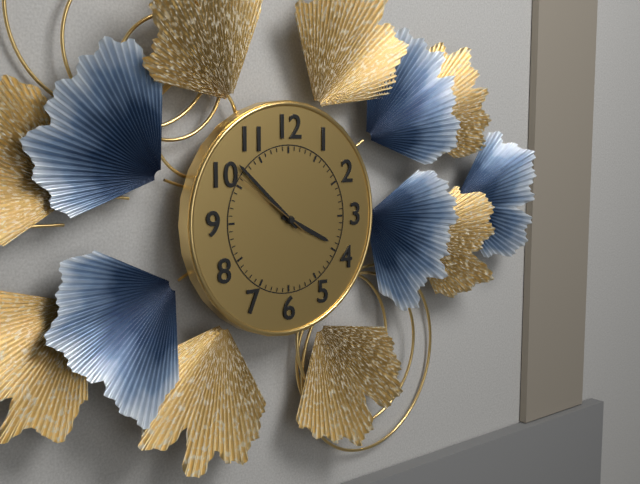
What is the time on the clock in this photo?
3:52:51
